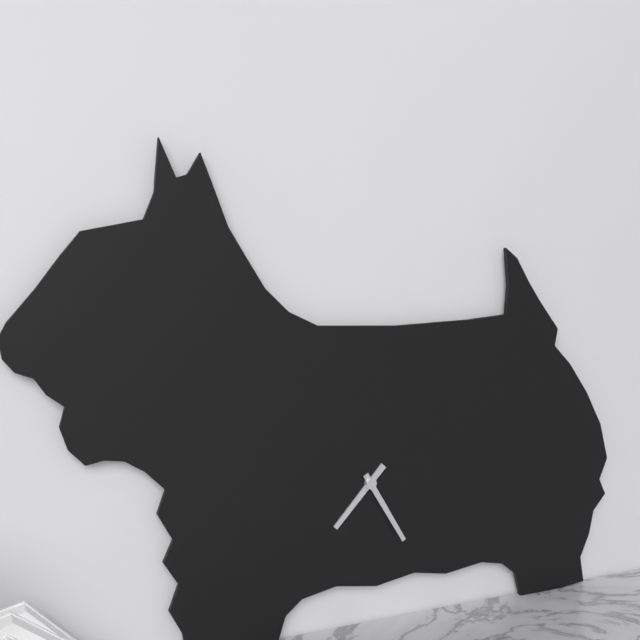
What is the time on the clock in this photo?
7:25
